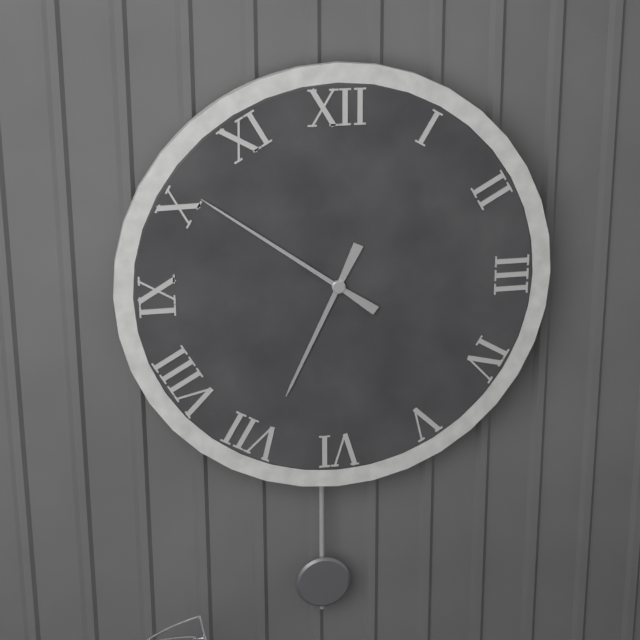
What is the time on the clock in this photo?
6:51
